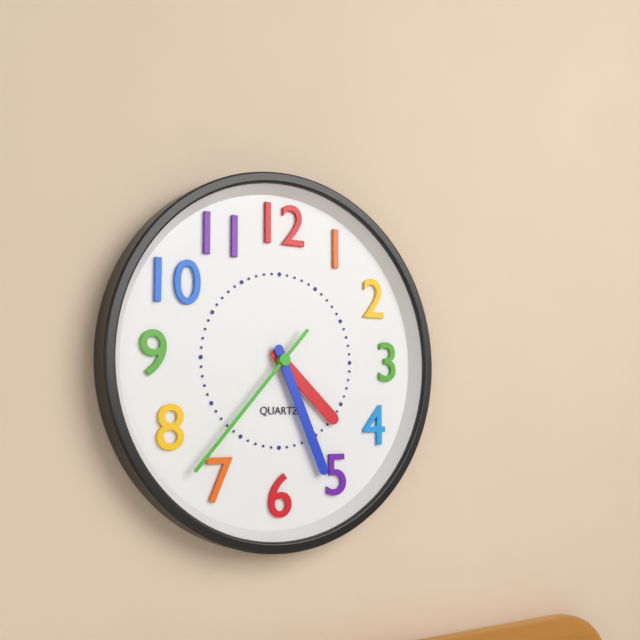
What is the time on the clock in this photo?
4:26:37
